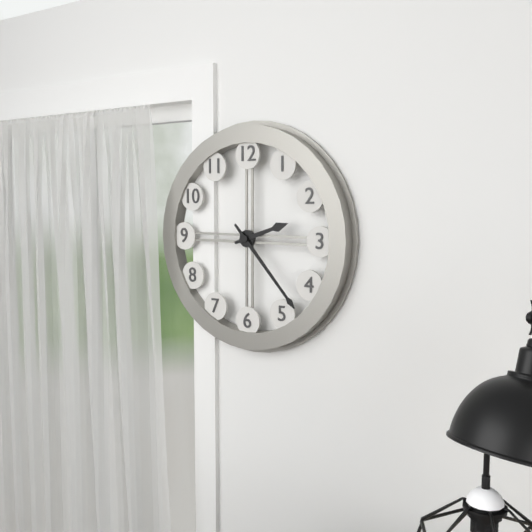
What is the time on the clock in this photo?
2:23
